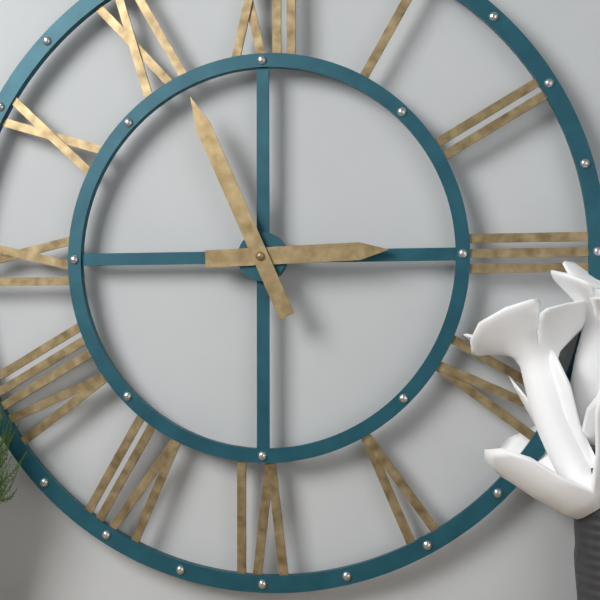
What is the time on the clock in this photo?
2:56
